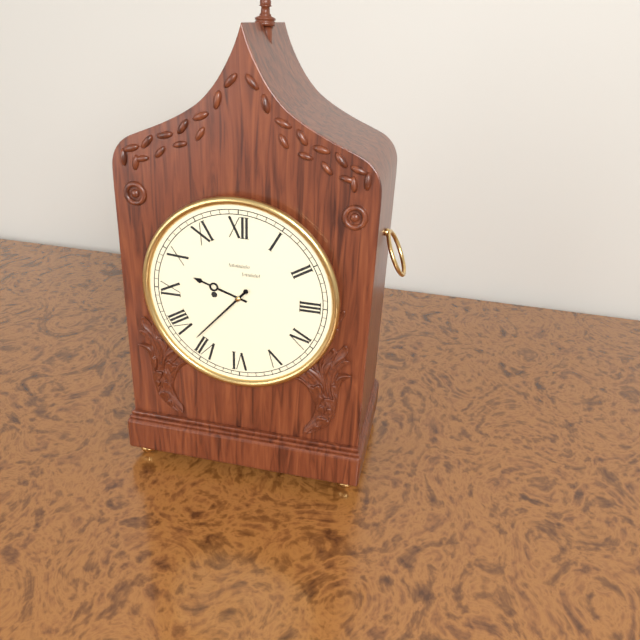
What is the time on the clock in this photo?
9:37
